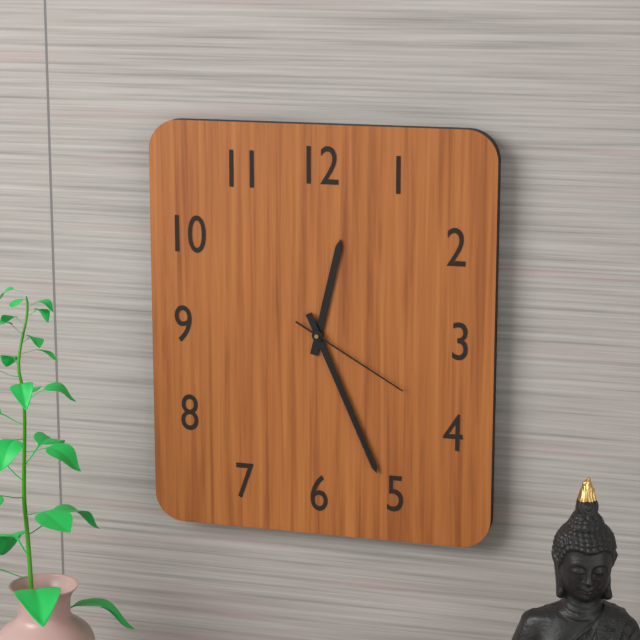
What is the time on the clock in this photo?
12:26:20
